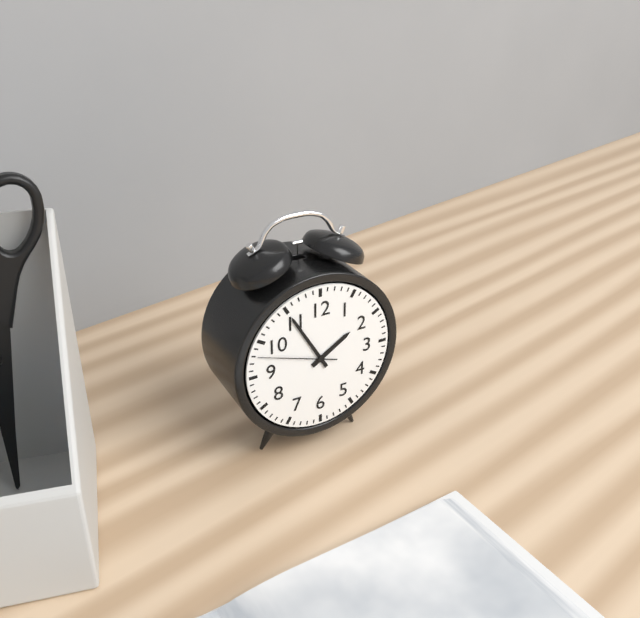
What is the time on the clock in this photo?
1:55:48
